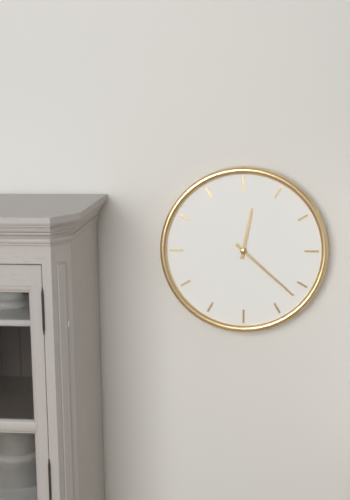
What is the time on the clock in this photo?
12:22
